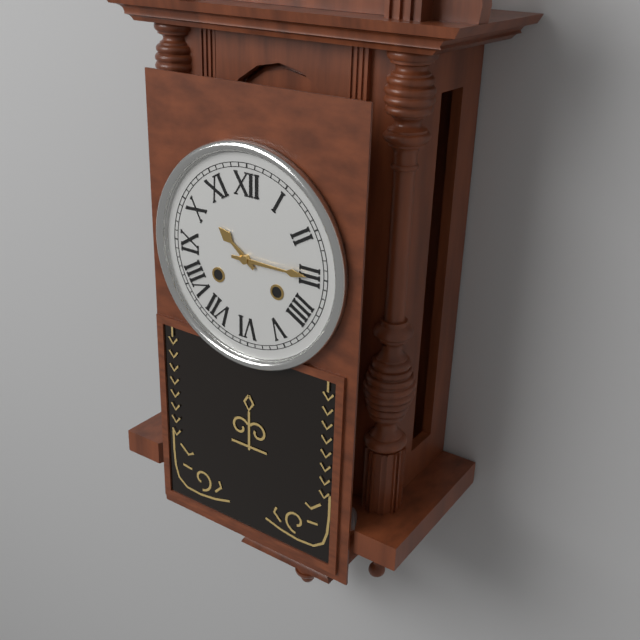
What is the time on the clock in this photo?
10:15
